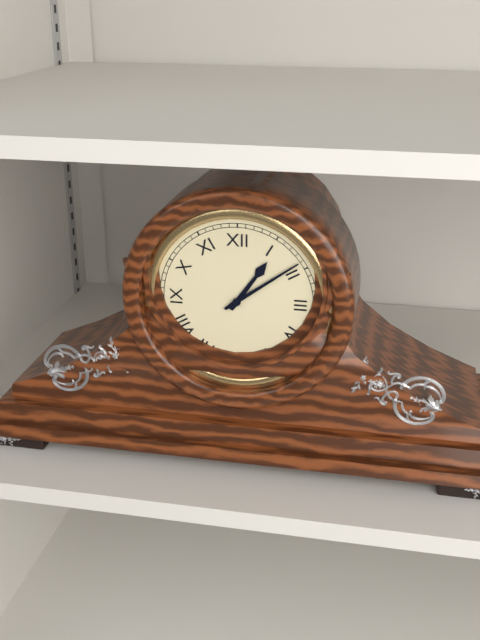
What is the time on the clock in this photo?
1:09
